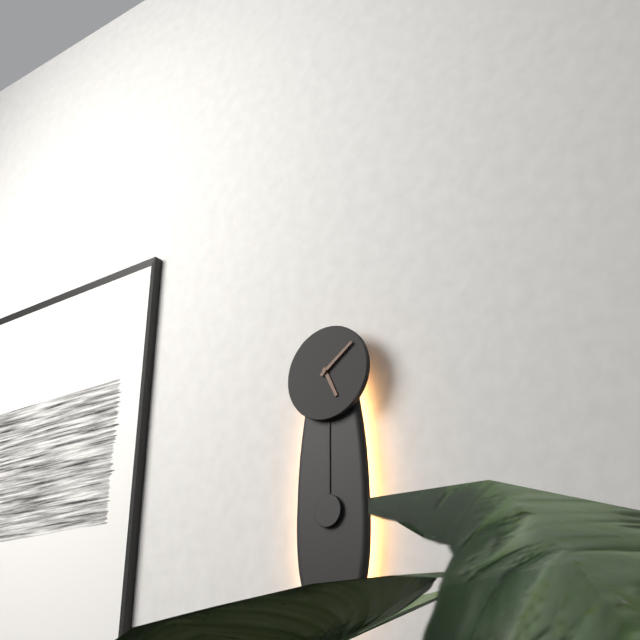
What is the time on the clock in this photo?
5:09
